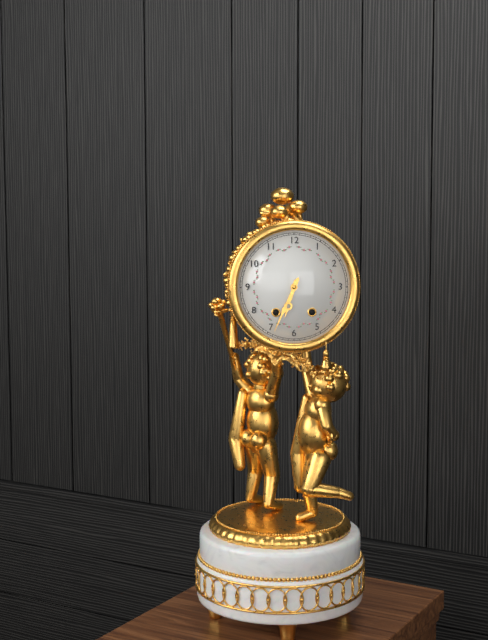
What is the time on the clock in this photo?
6:34
